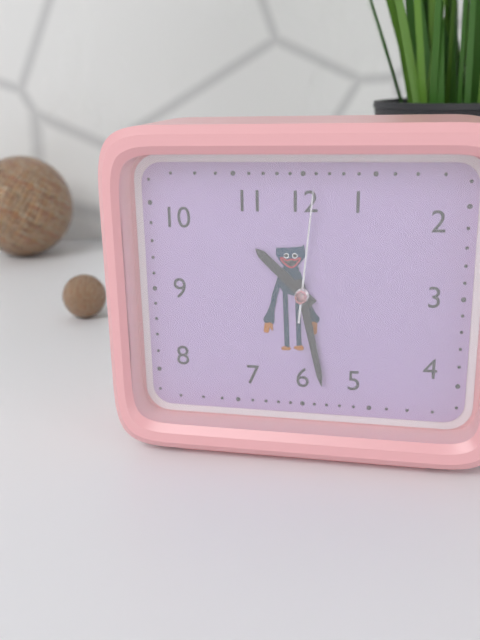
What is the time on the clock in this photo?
10:28:01
